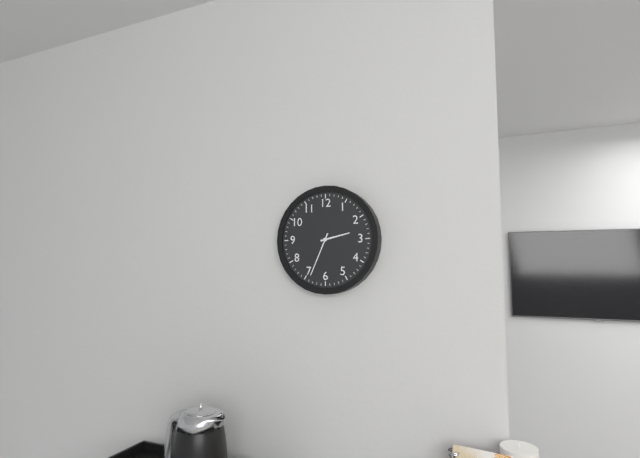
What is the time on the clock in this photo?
2:34
